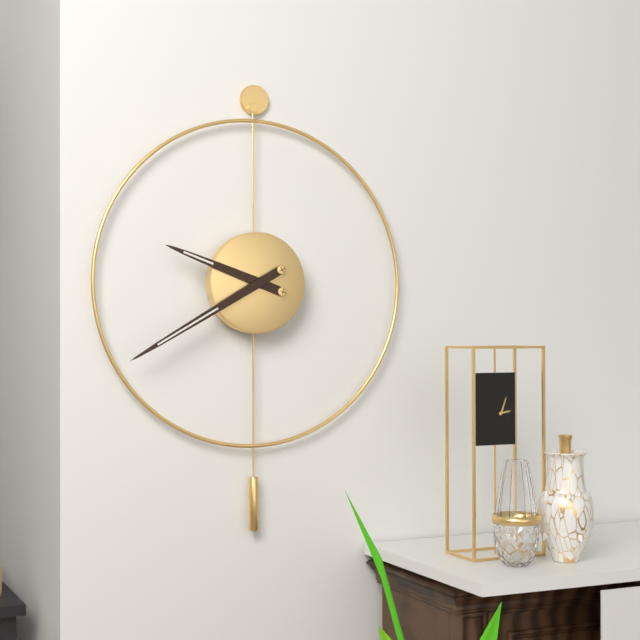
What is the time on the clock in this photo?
9:40
